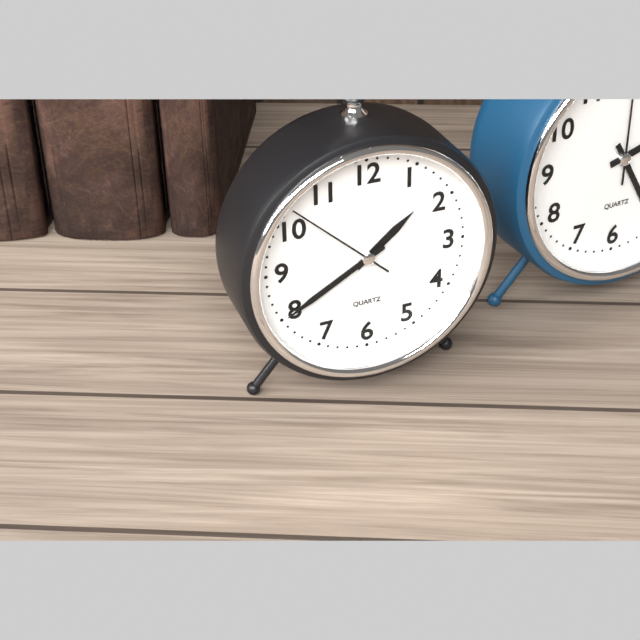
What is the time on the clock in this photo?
1:40:52
